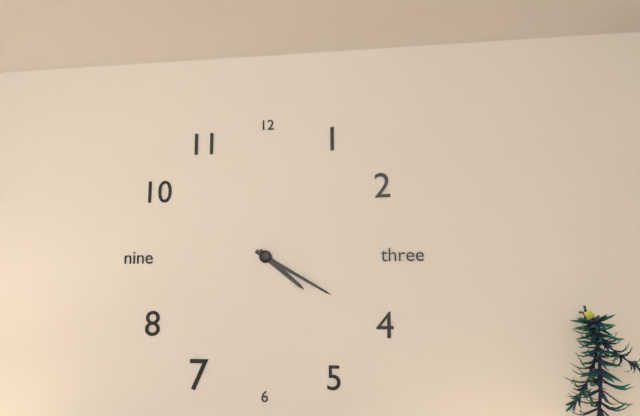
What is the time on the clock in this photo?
4:20
